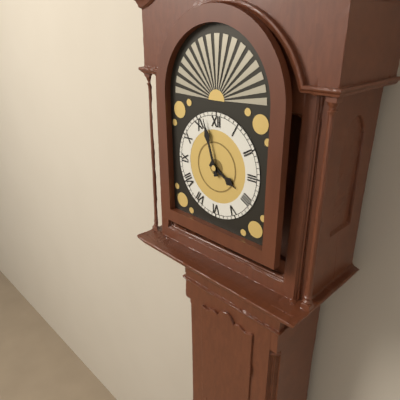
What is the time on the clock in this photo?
3:57
